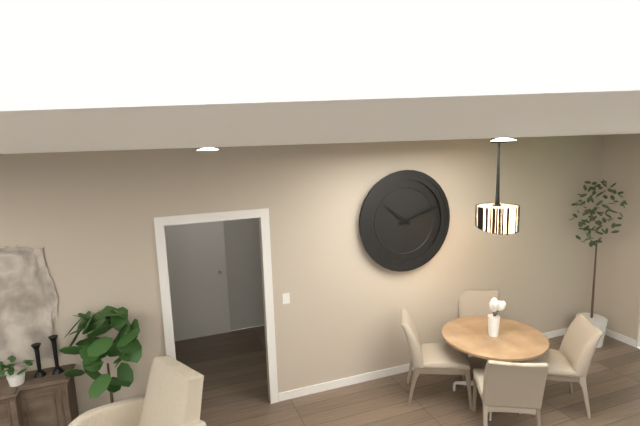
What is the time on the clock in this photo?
10:12
